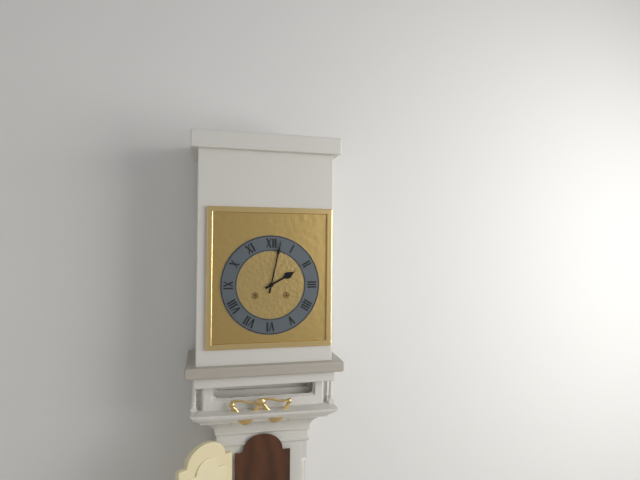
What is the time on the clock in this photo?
2:02
